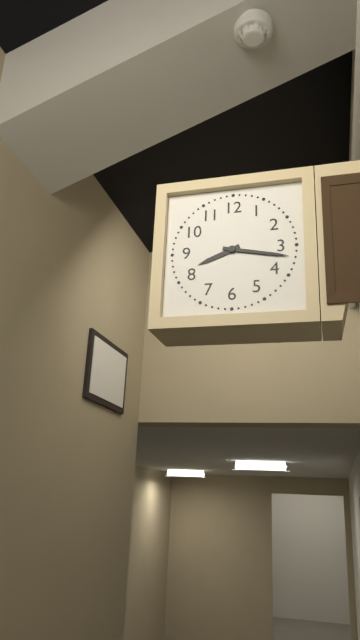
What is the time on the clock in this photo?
8:17
